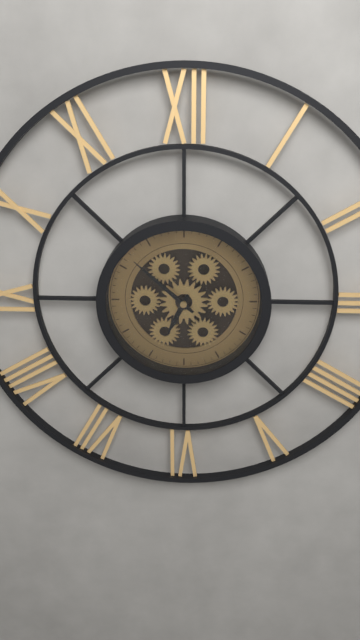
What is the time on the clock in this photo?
6:52
